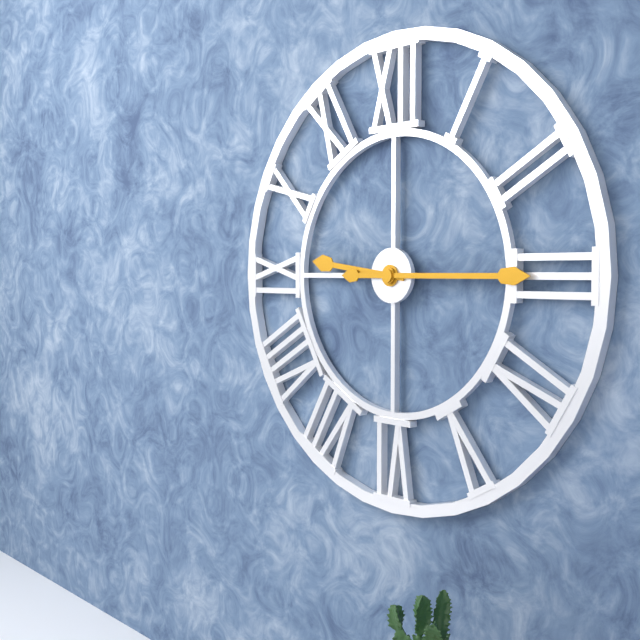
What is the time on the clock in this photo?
9:15
